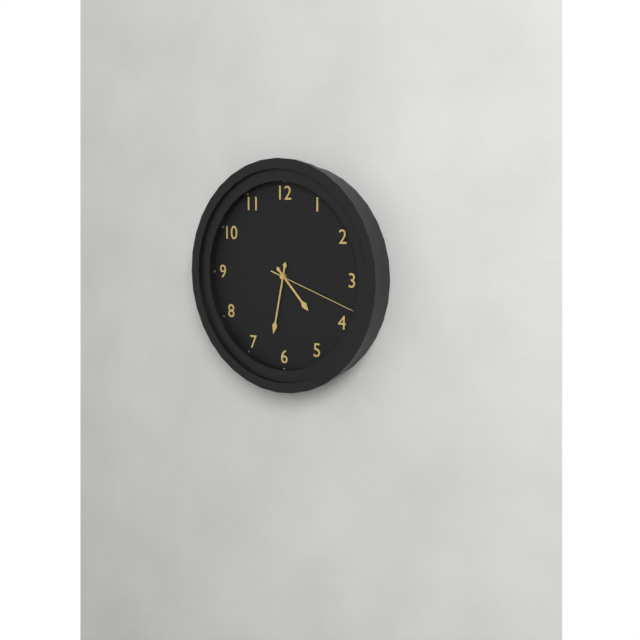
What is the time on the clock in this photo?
4:32:18
